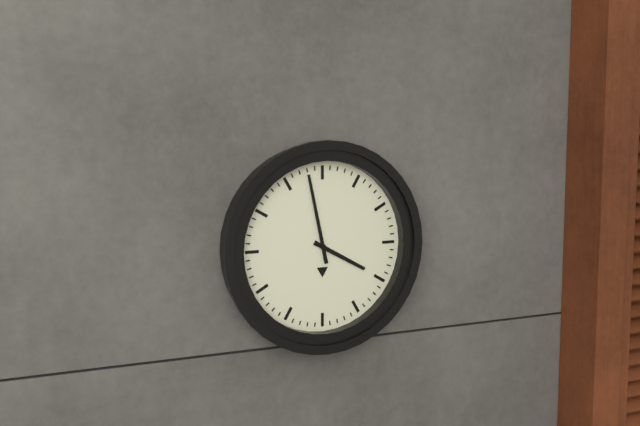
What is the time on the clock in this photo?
3:58
